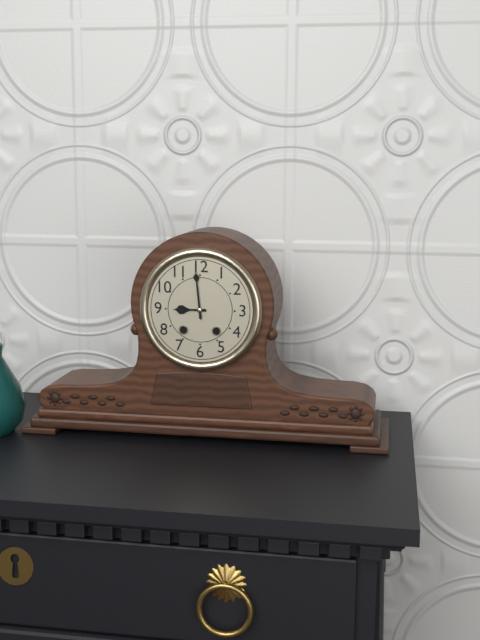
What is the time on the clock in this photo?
8:59
